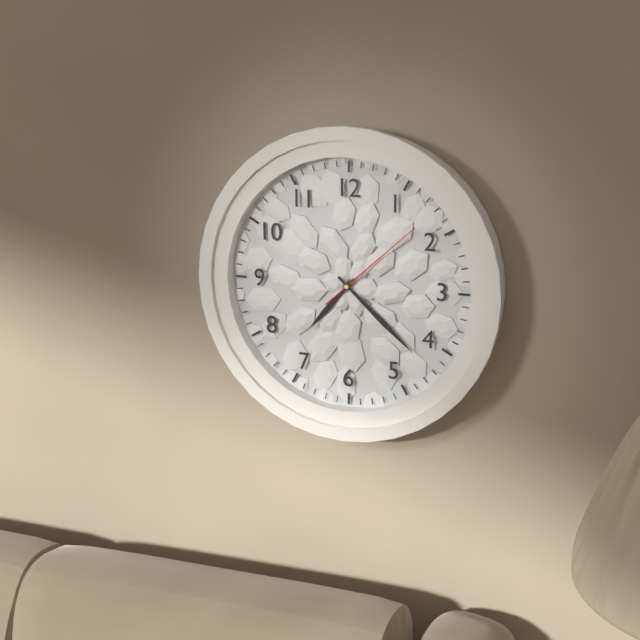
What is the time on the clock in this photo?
7:22:08
